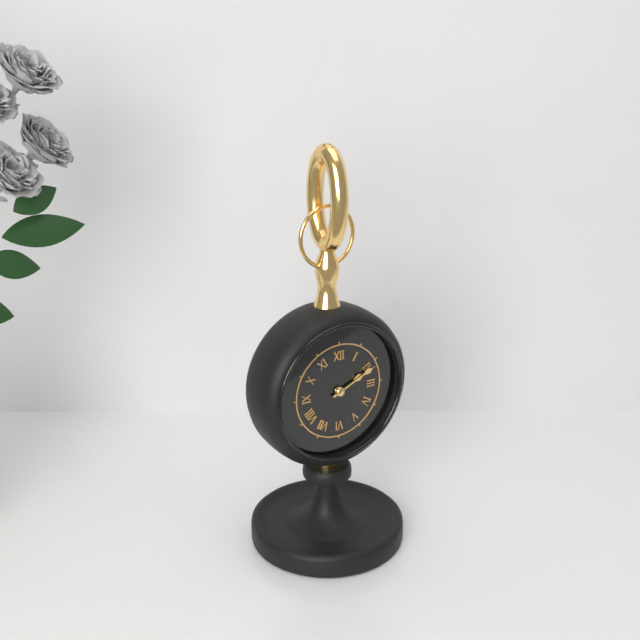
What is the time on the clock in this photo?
2:11
